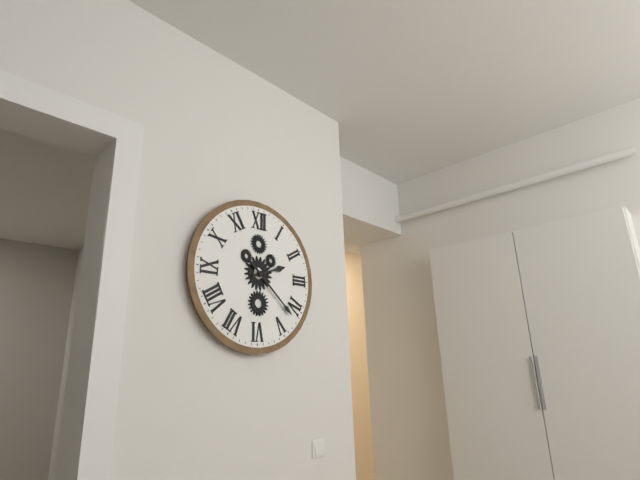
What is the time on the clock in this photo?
2:22
